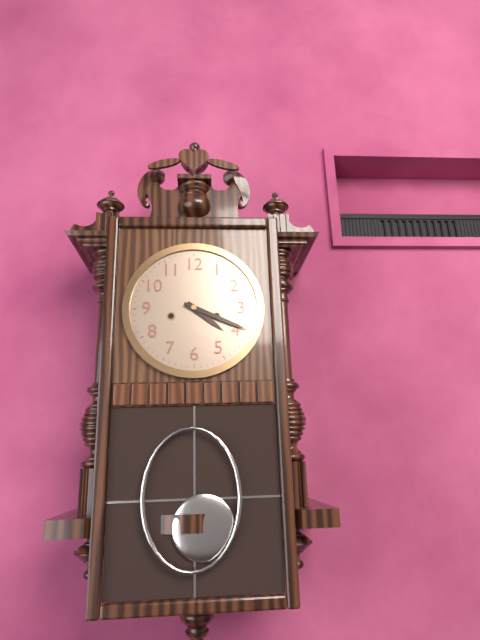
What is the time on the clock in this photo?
4:19
